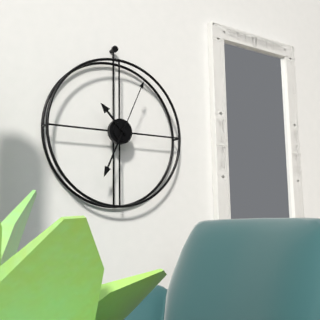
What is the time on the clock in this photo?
10:34:04
